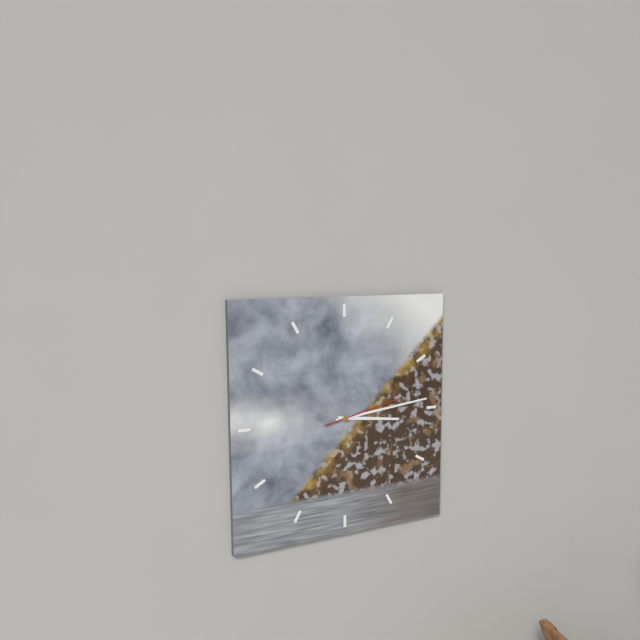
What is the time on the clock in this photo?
3:14:13
